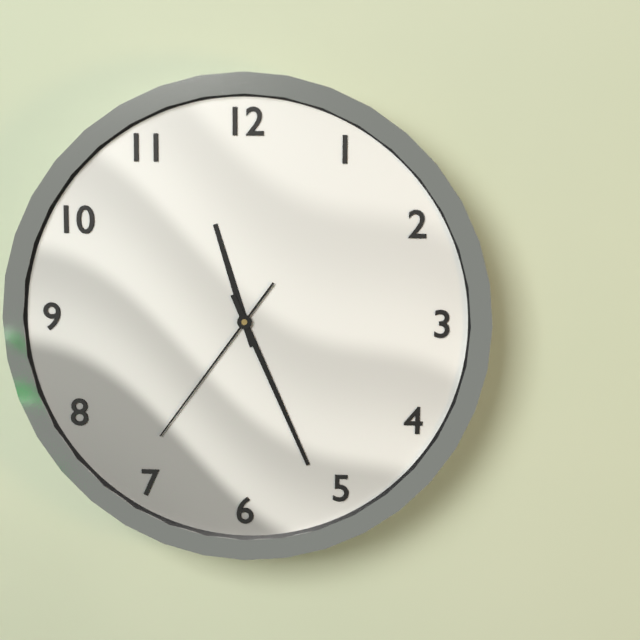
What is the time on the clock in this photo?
11:26:36
